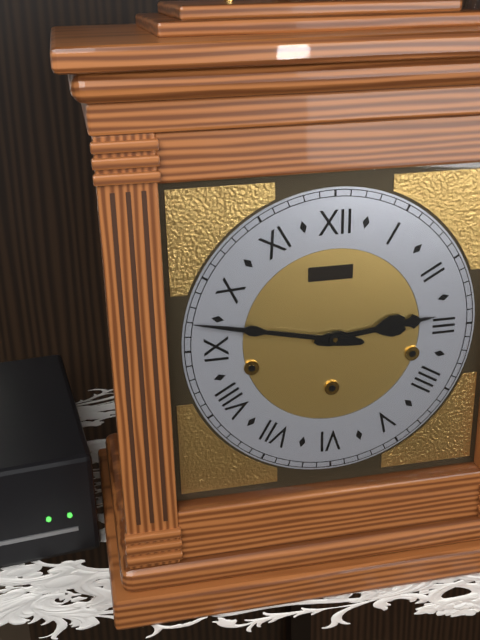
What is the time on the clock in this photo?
2:47
